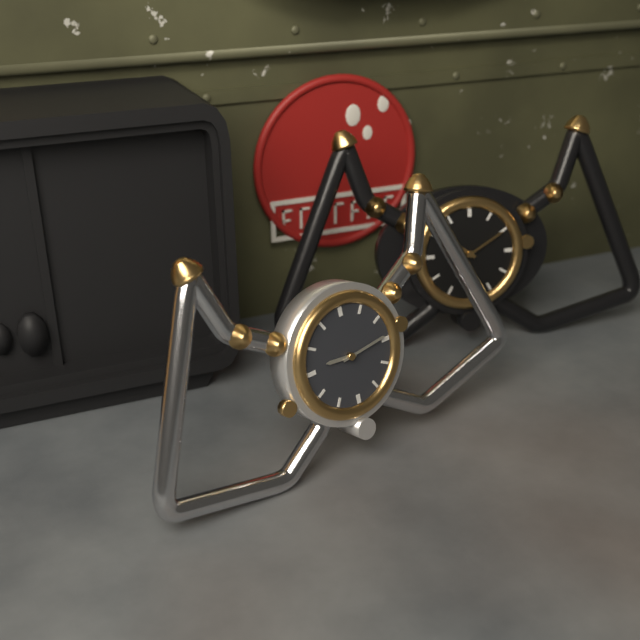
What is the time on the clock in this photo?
9:14
